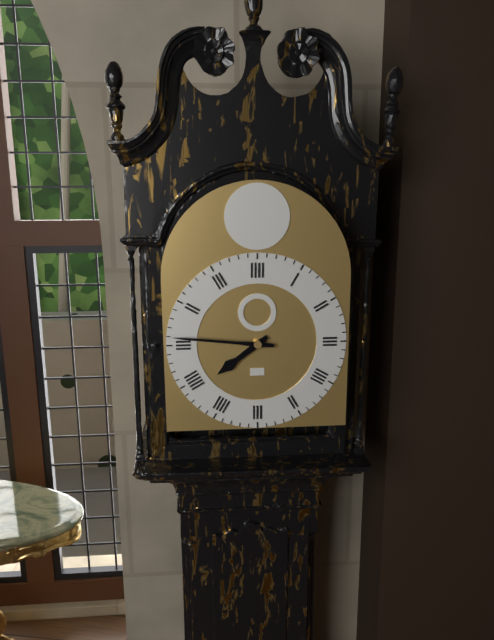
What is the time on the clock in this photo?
7:46
